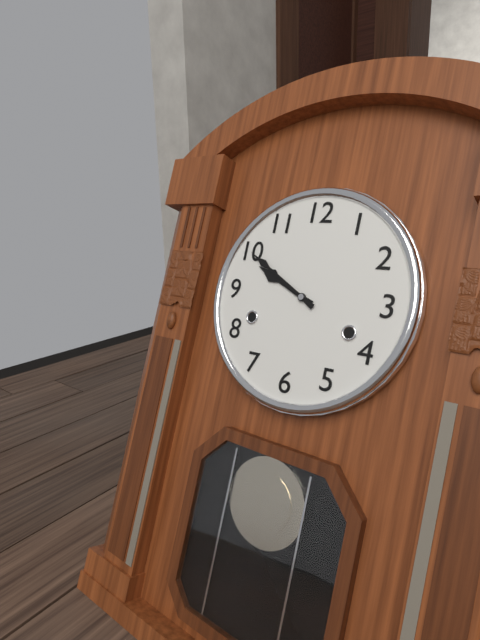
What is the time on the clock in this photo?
9:50
